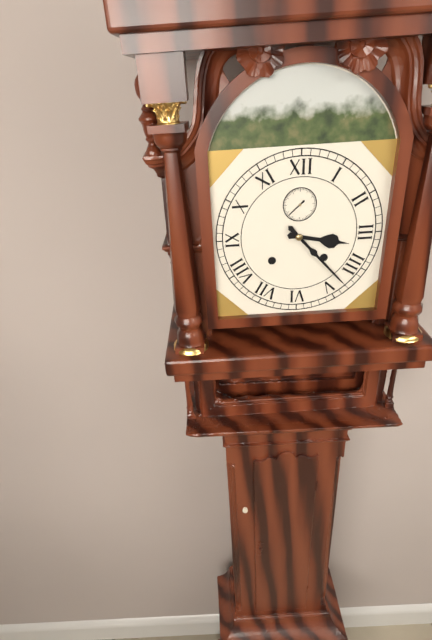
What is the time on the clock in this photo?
3:23
